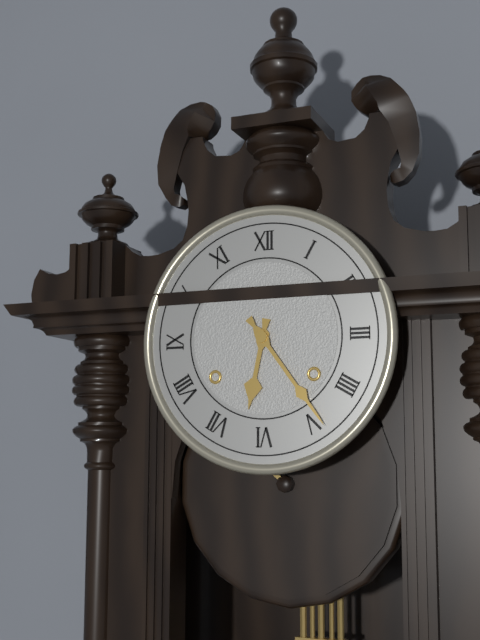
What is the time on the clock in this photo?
6:24
